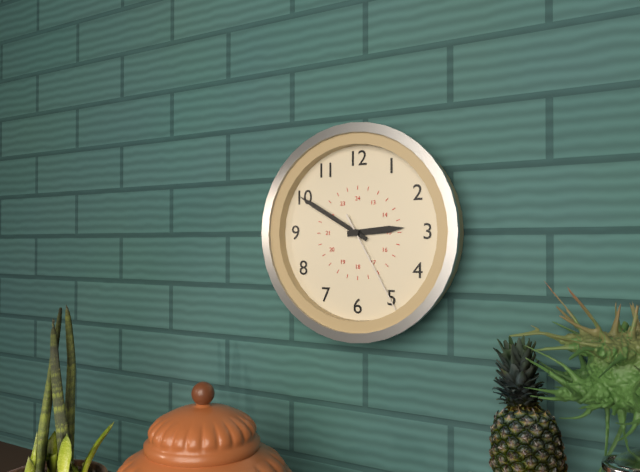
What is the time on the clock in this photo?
2:50:25
